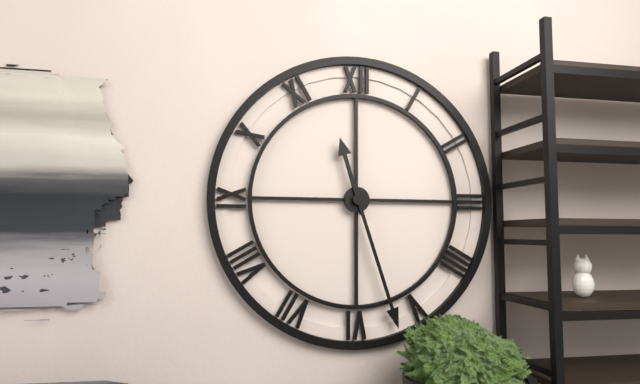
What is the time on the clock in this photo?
11:27
